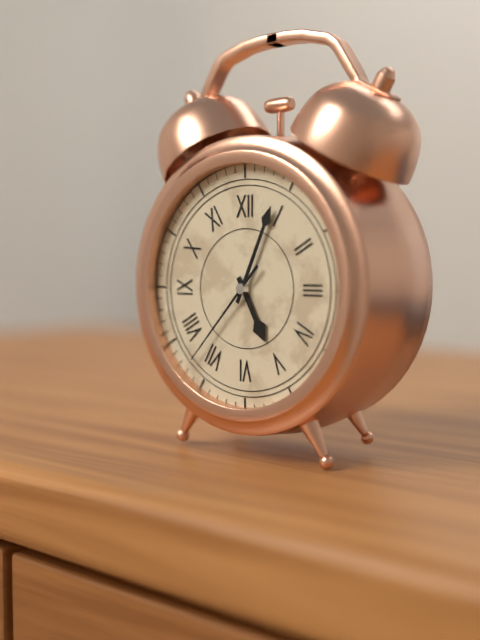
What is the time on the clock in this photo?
5:04:37
